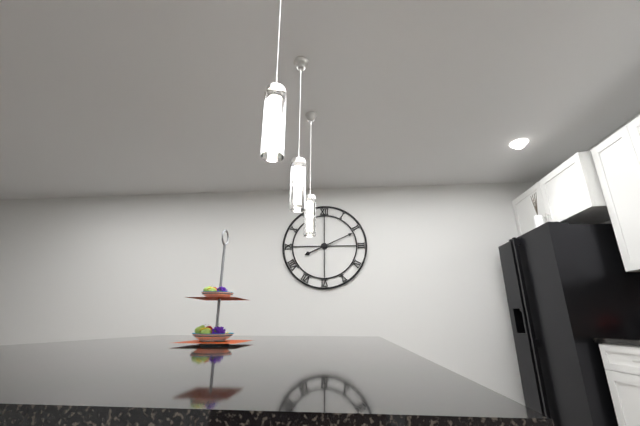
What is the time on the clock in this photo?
8:11
